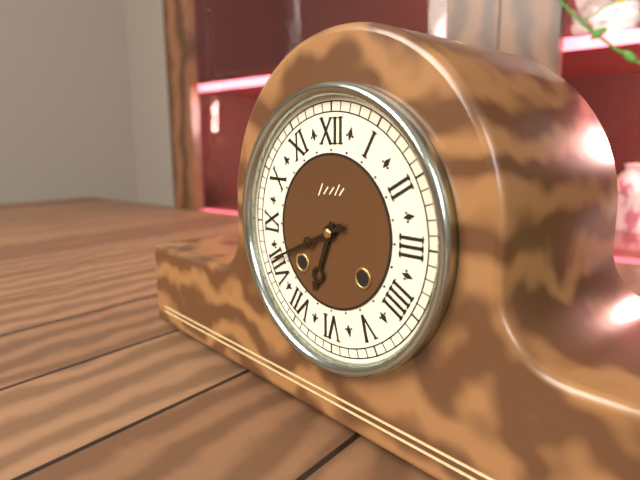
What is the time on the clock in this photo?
6:41
